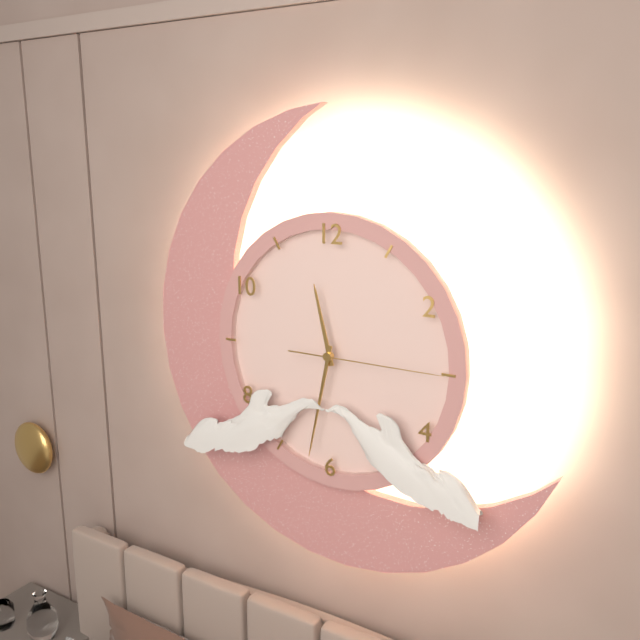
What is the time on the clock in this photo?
11:32:15
